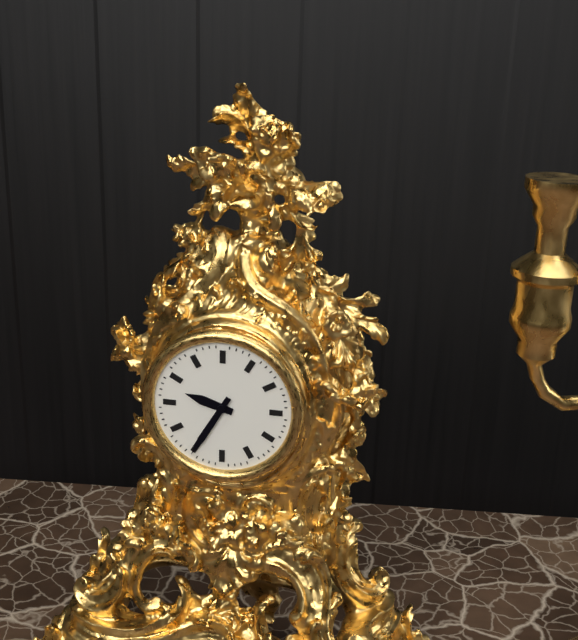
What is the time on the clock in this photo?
9:35
